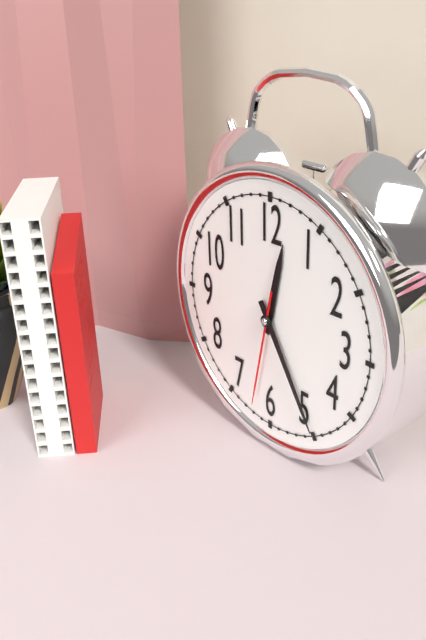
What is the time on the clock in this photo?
12:25:32
